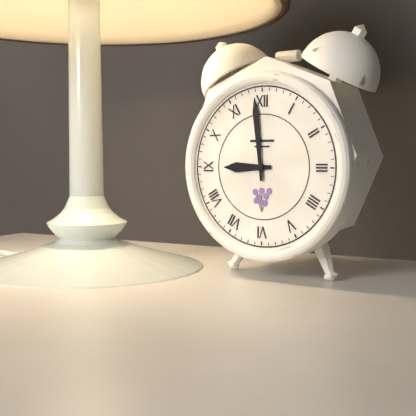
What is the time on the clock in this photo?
8:59
